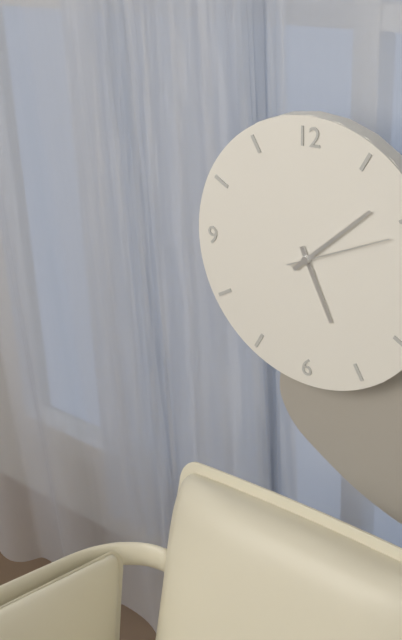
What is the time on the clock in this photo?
5:08:11
